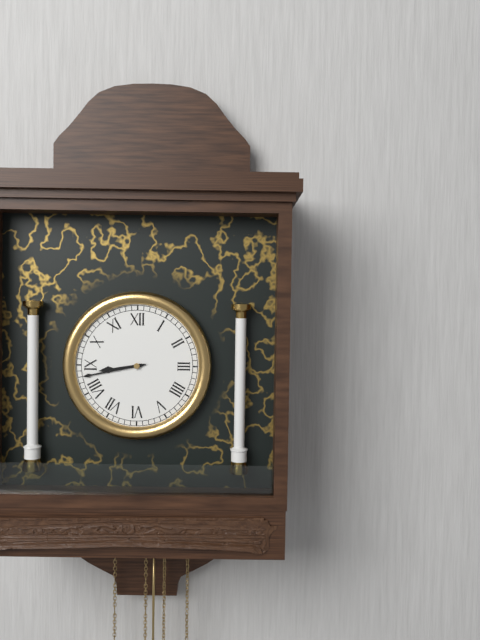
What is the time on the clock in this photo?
8:43
